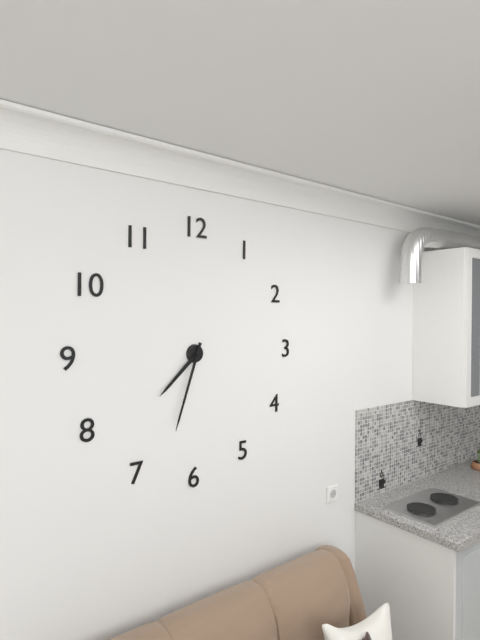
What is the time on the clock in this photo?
7:33
